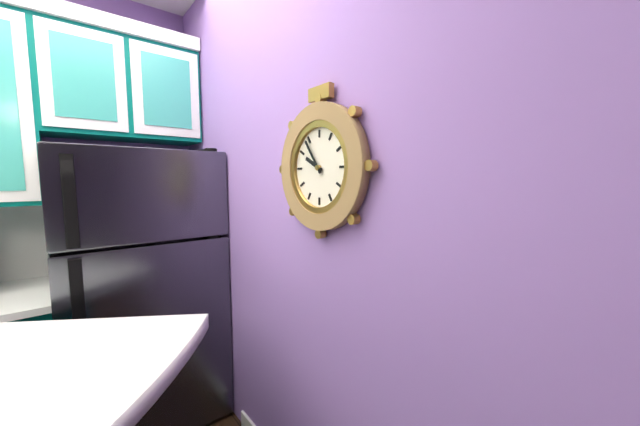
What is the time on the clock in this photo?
9:54
